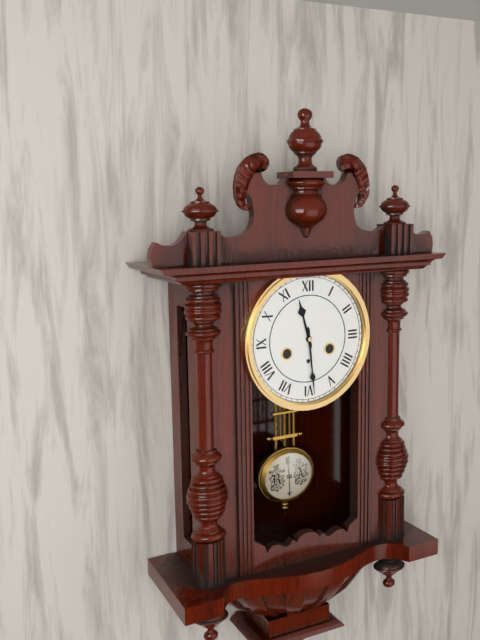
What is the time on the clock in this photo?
11:29
